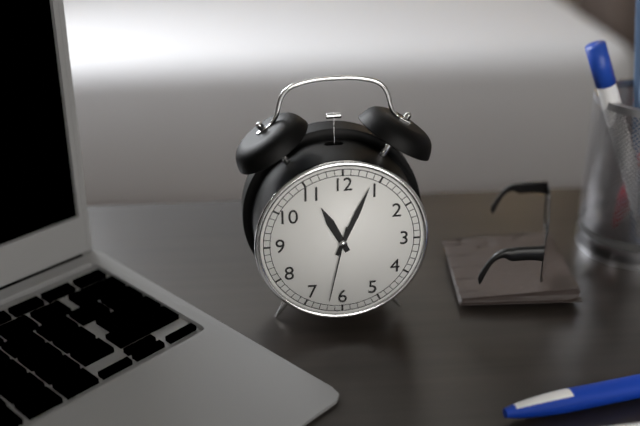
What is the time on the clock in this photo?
11:04:32
